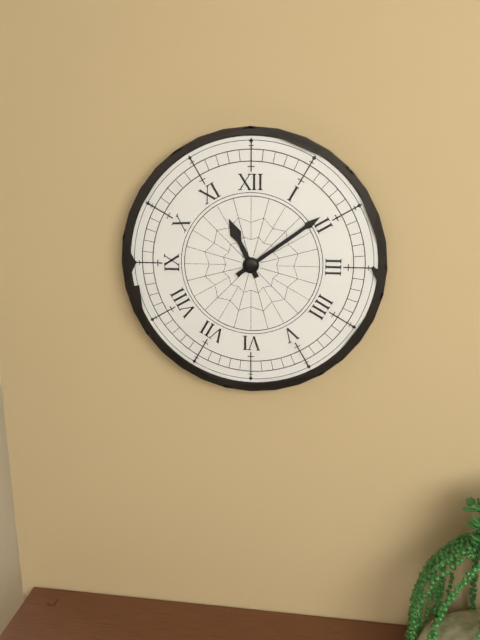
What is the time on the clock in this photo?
11:09
